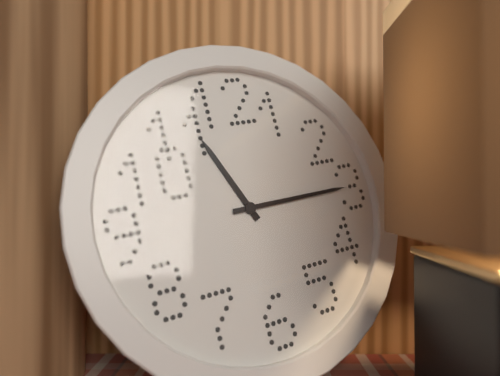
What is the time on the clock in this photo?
11:15
